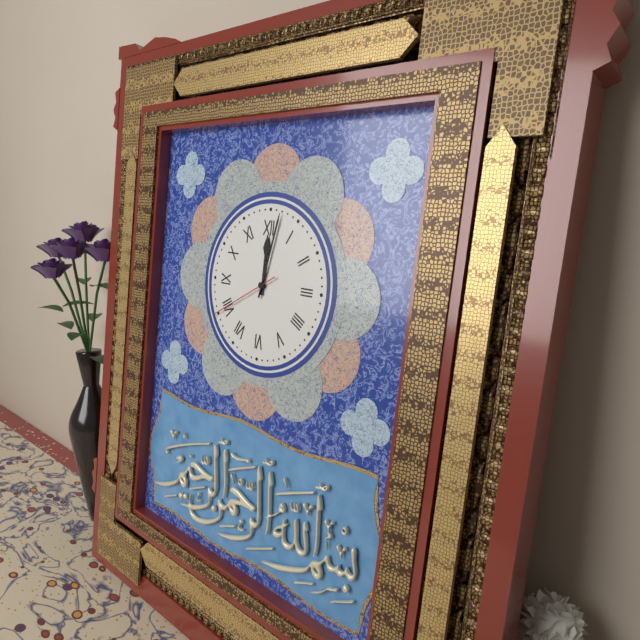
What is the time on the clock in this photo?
12:02:40
